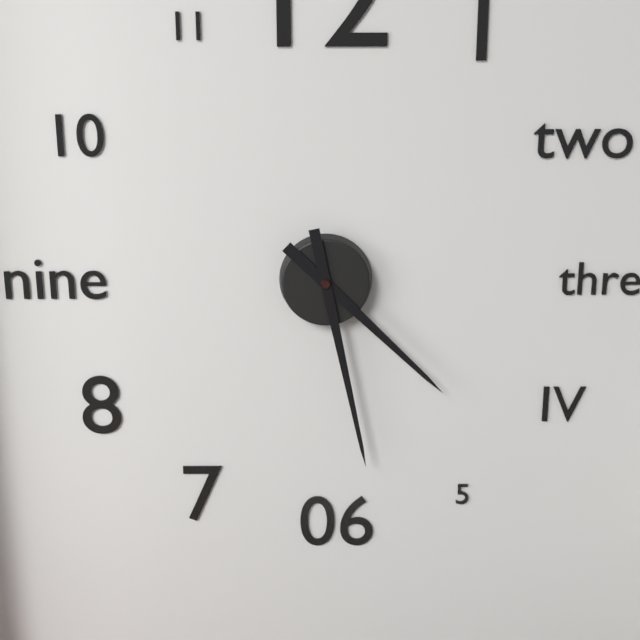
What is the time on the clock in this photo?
4:28
